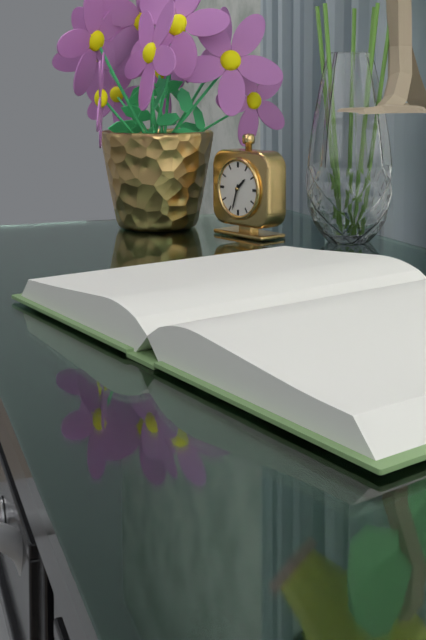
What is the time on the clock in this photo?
1:33
